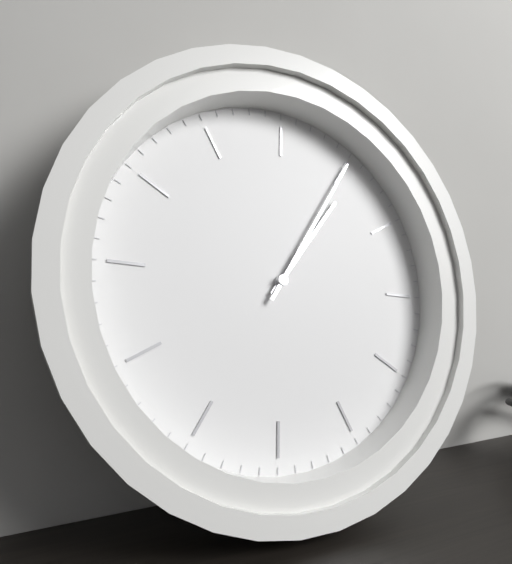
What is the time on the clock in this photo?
2:10
